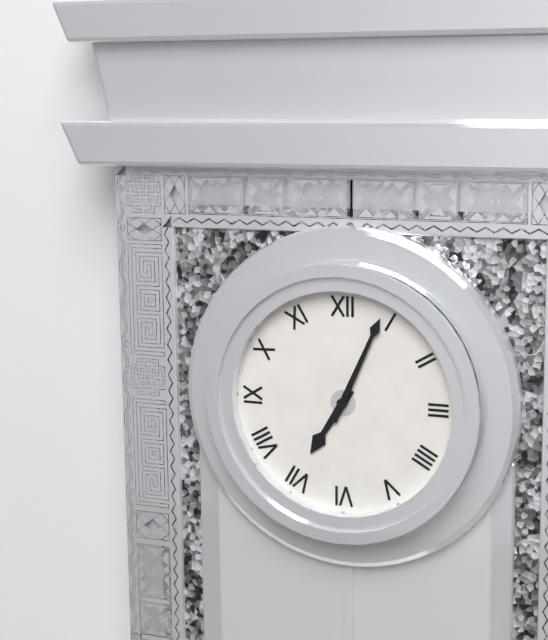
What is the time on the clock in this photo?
7:04
